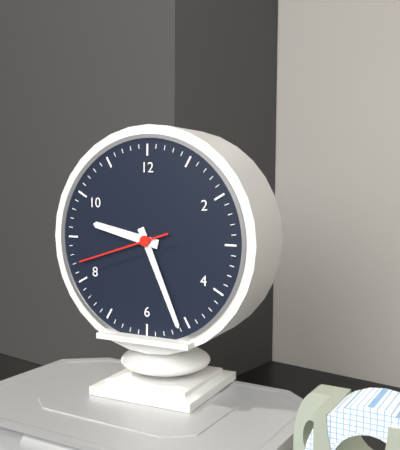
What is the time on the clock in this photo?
9:26:42
